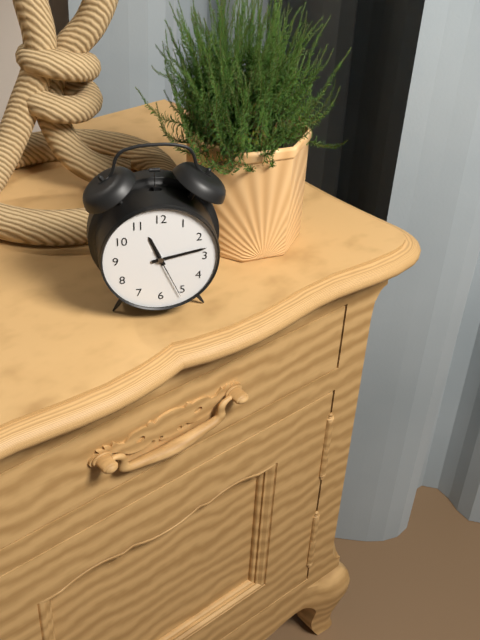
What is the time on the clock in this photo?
11:13:26
